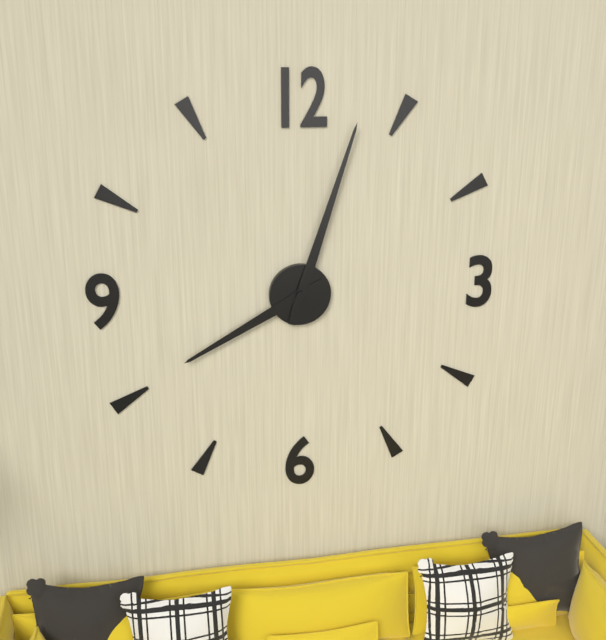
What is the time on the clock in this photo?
8:03
